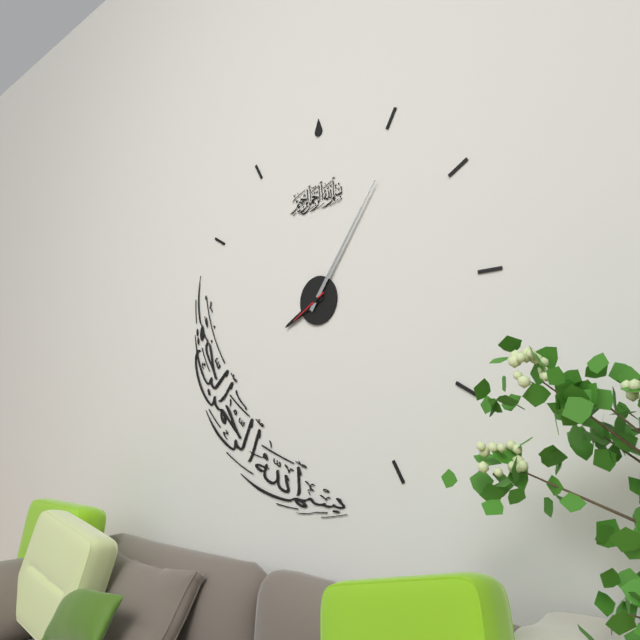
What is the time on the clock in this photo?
8:06
